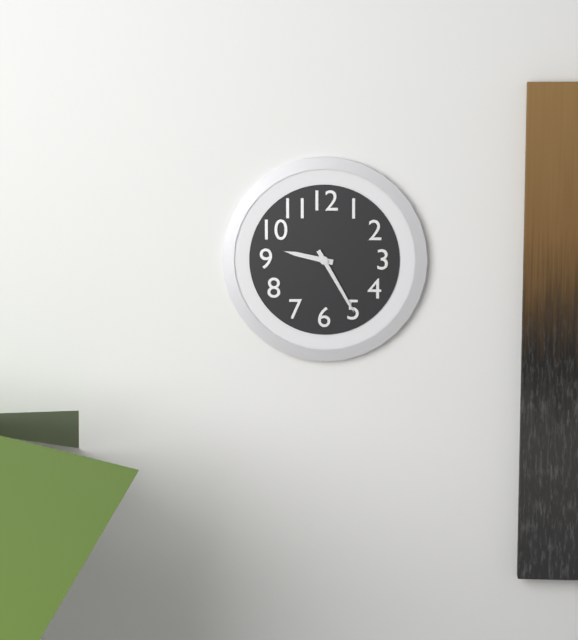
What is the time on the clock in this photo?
9:25
